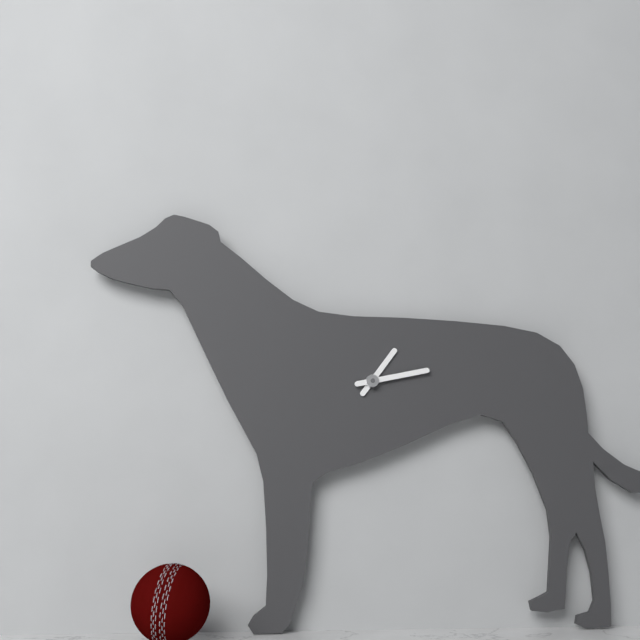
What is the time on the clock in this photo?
1:13
